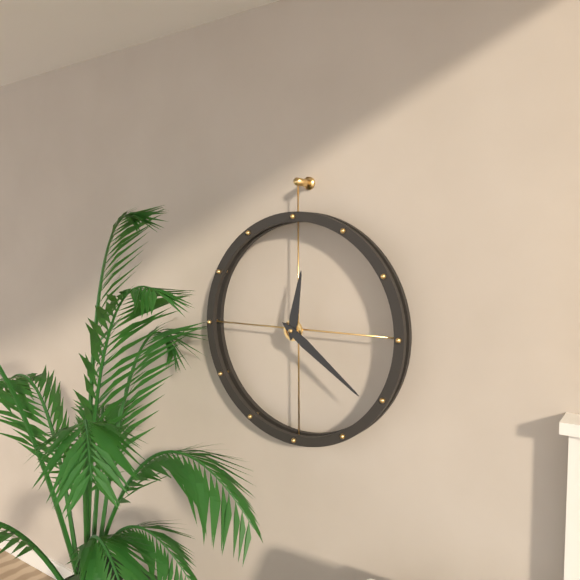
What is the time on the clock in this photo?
12:21
